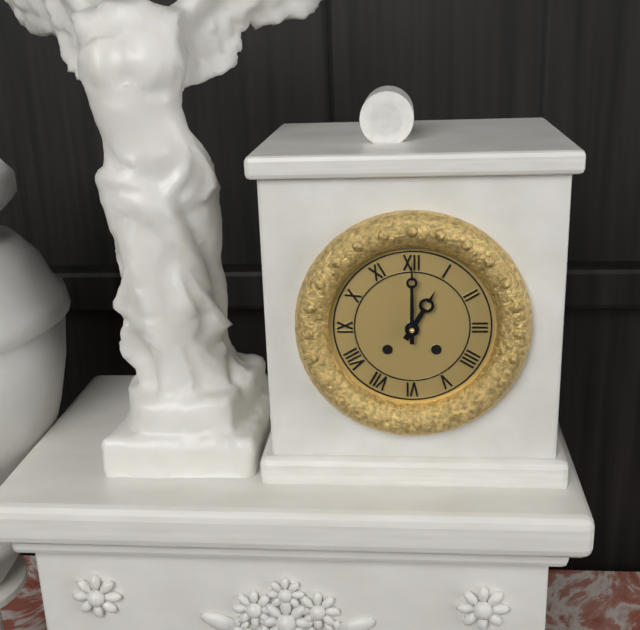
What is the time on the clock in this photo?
1:00
